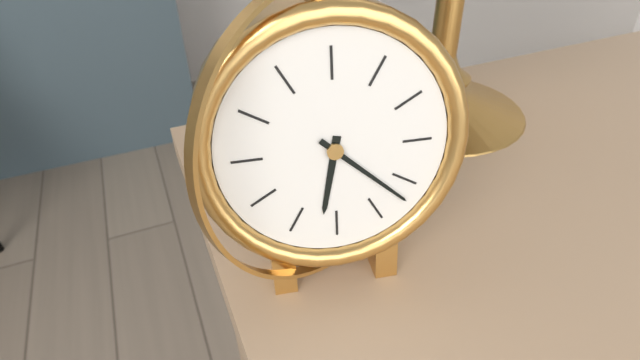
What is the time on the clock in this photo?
6:22
